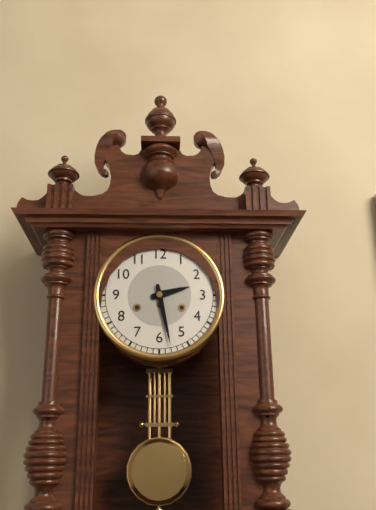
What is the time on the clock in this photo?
2:28
